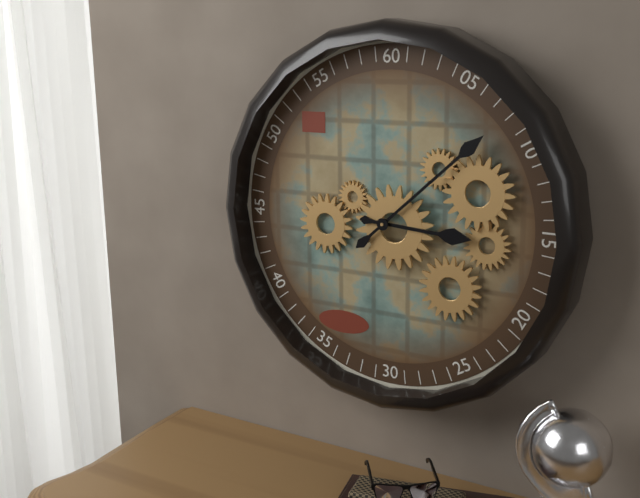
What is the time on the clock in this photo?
3:08
